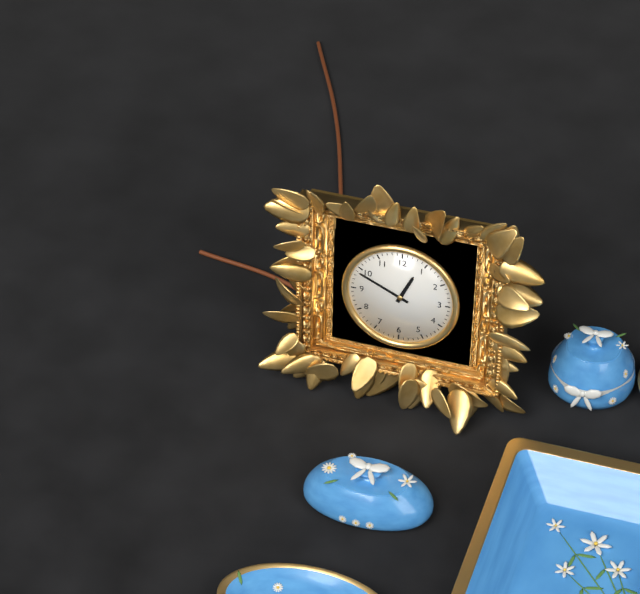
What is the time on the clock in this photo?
12:49
